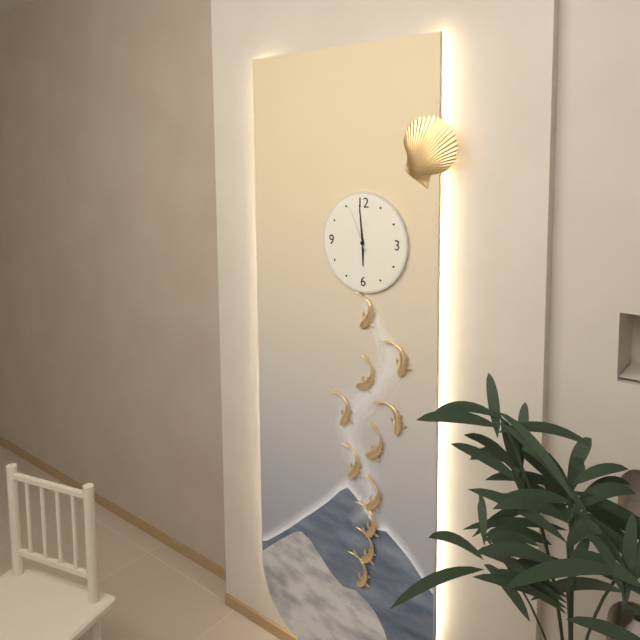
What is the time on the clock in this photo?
5:59
